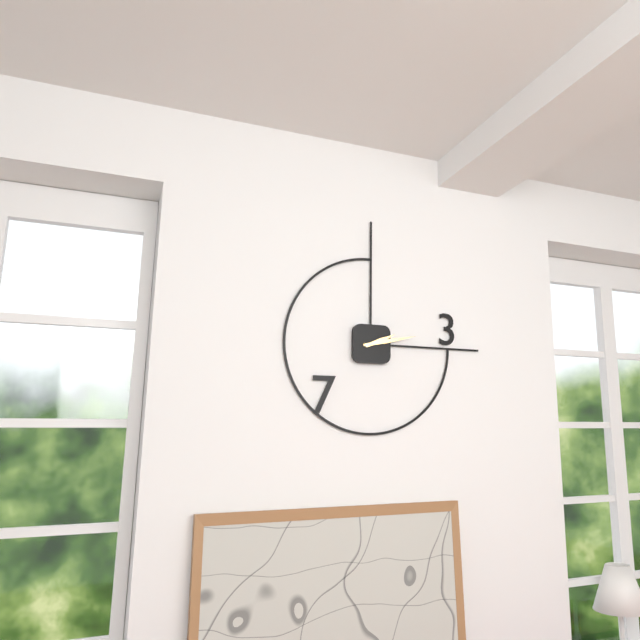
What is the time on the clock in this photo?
2:13
